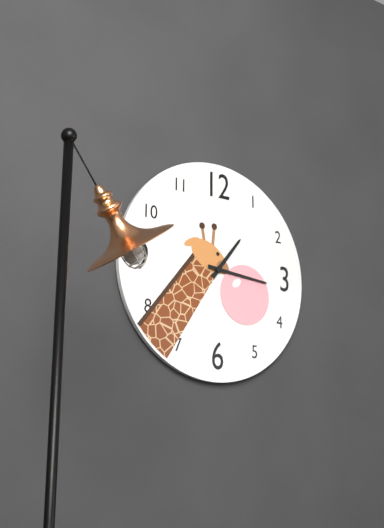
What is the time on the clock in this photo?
1:16
